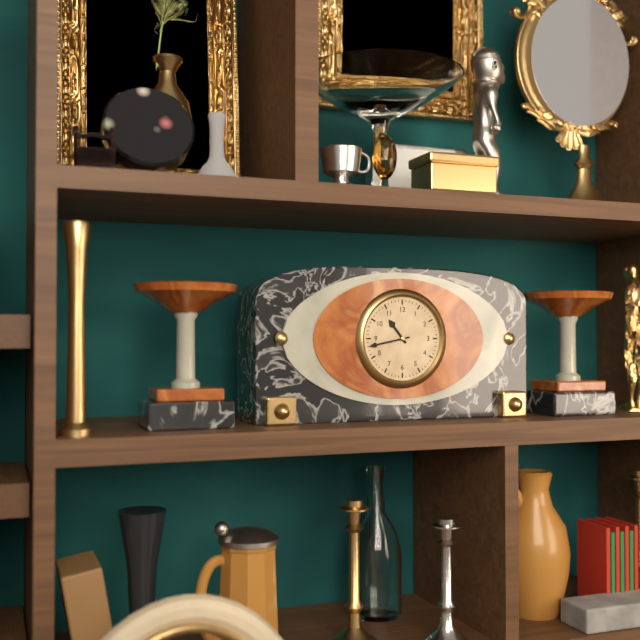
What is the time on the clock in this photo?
10:43
